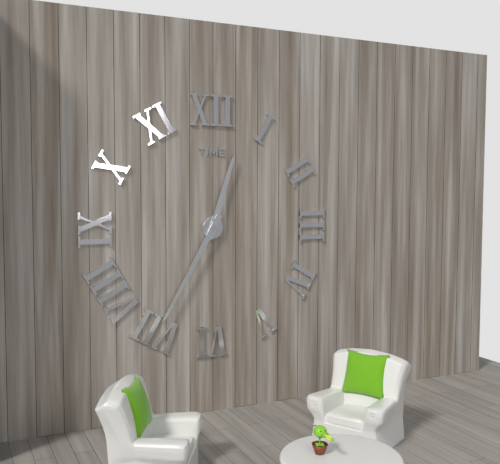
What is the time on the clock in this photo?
12:35
